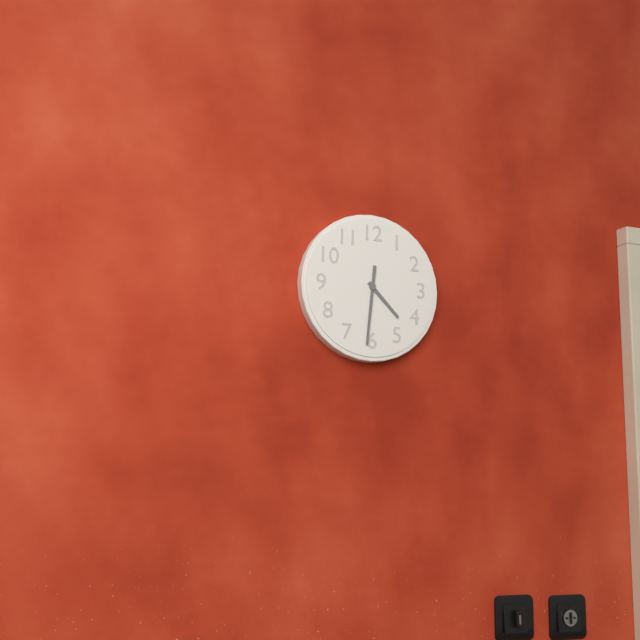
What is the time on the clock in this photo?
4:31
